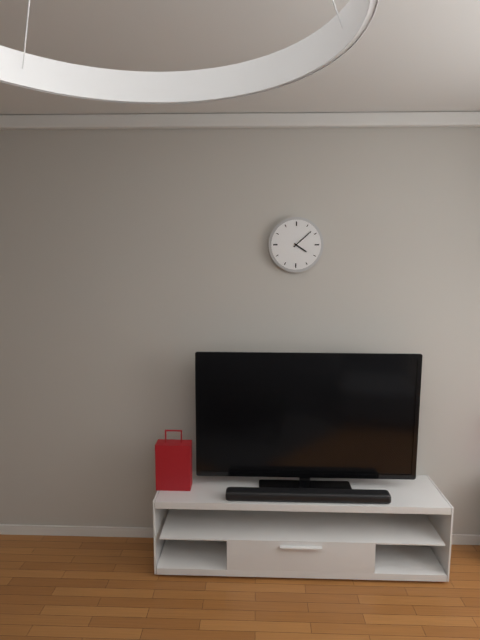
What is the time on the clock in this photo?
4:08
